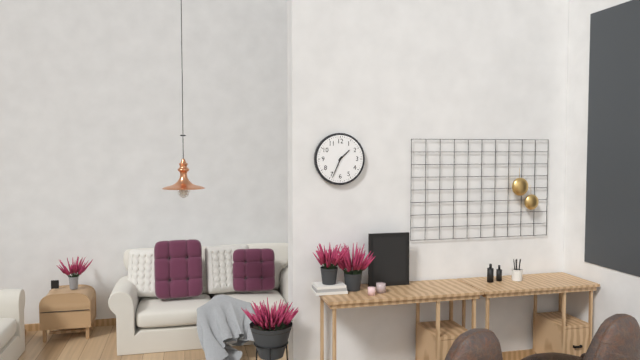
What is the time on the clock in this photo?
1:34
